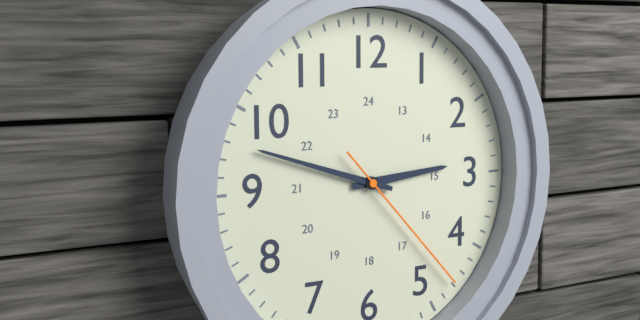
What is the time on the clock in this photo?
2:48:23
